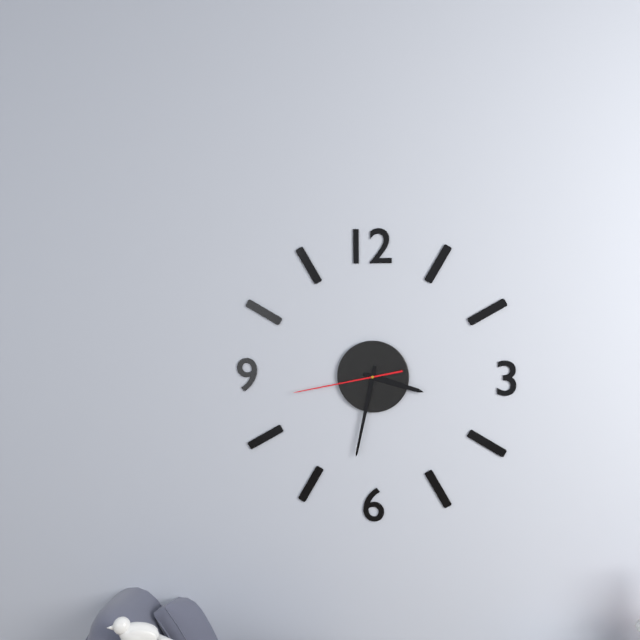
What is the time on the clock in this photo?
3:32:43
